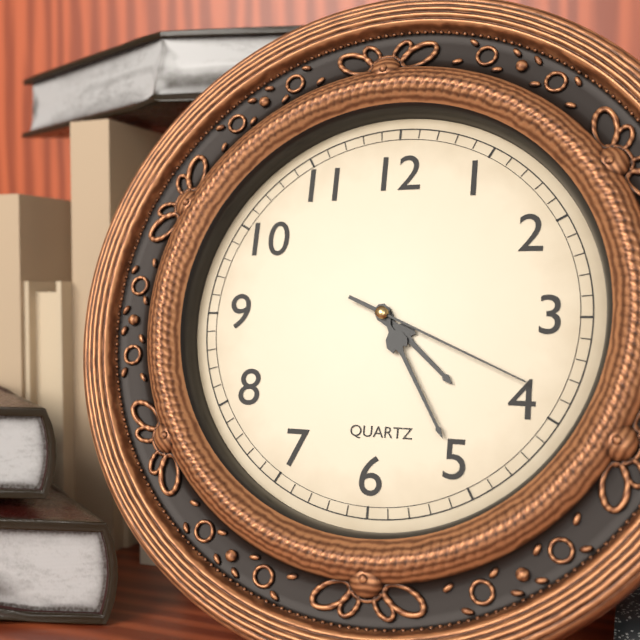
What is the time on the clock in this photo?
4:25:19
